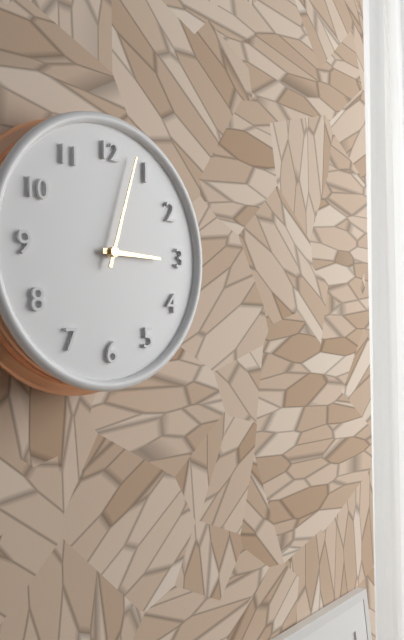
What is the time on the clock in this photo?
3:03
